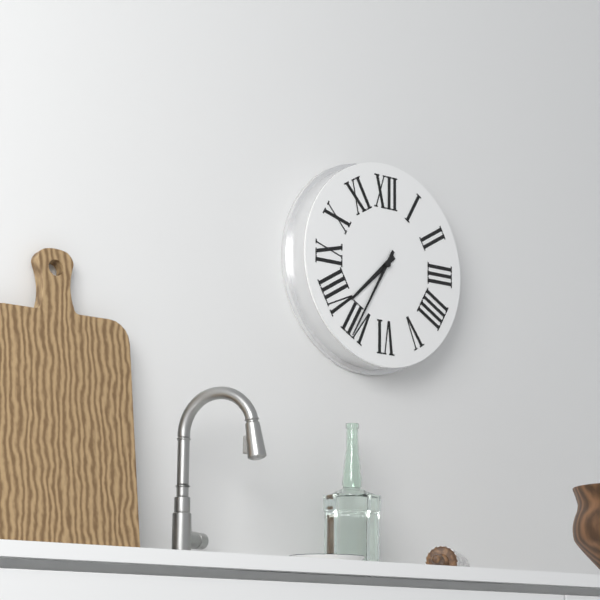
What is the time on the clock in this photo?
7:35
